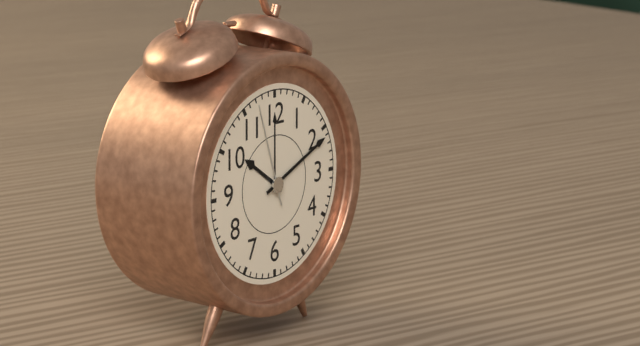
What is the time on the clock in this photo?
10:11:57
